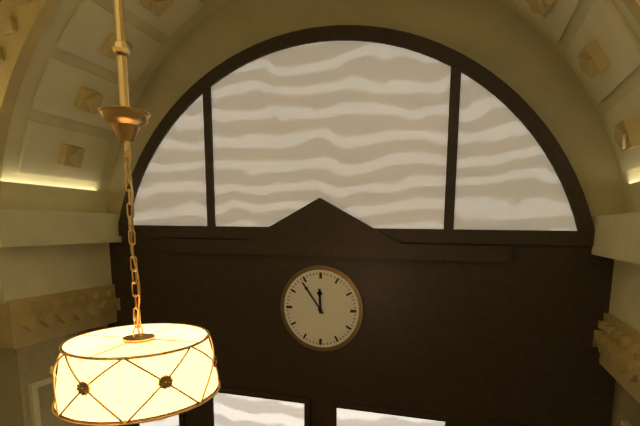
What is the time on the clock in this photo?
11:54
